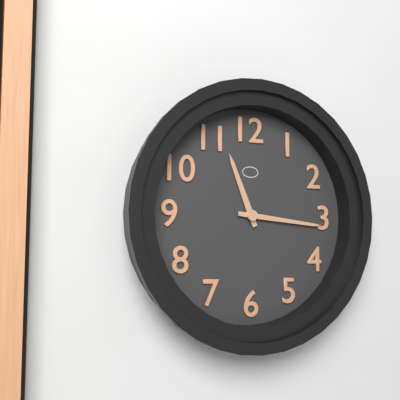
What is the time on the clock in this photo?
11:16
